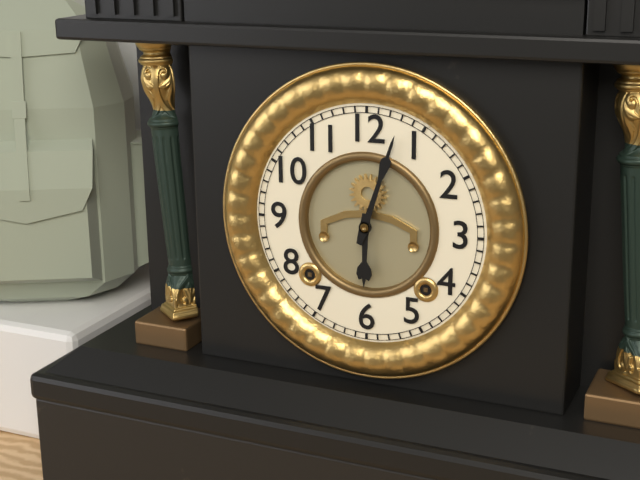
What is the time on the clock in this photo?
6:03
